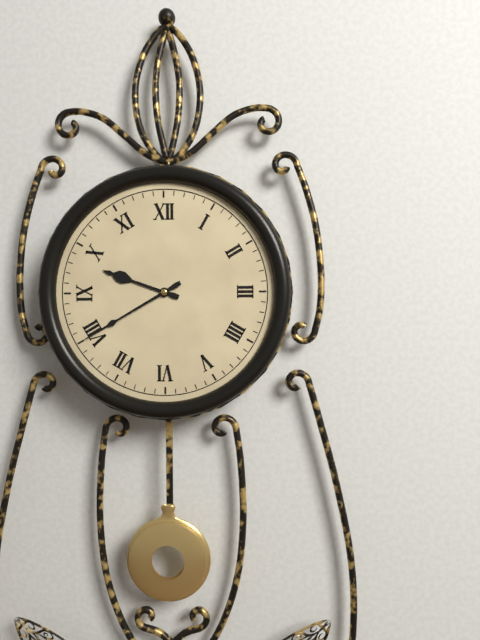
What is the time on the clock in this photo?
9:40
